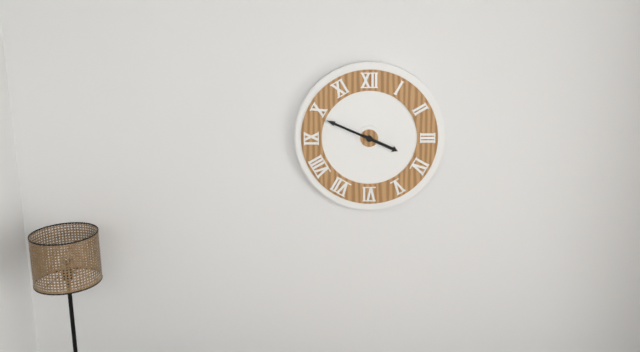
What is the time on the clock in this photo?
3:49
